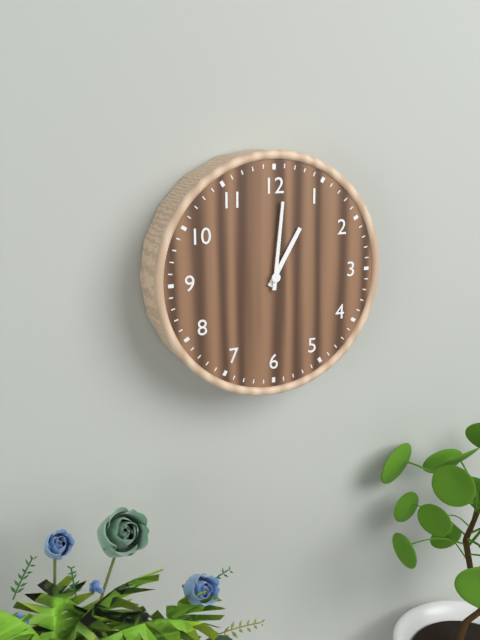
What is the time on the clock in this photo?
1:01
